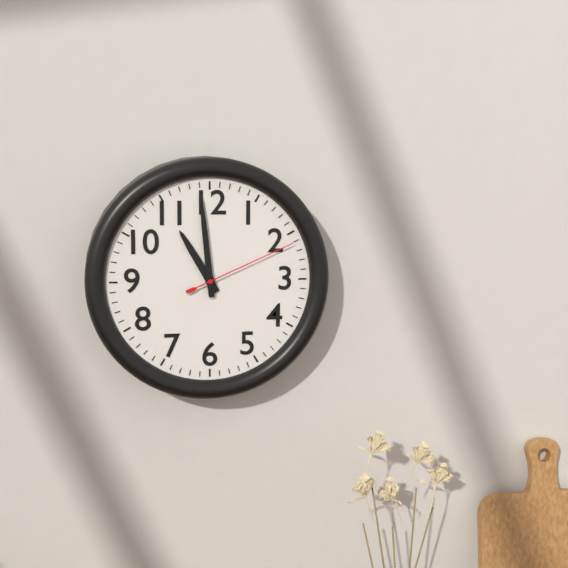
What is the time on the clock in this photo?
10:59:11
